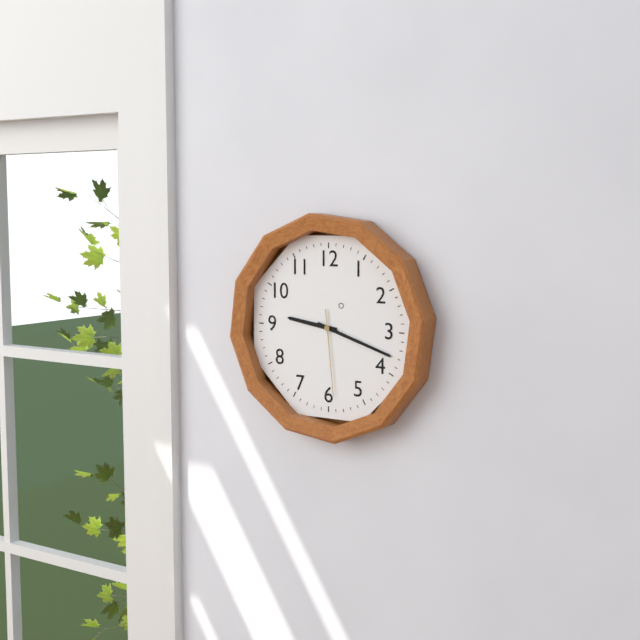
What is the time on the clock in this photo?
9:18:29
